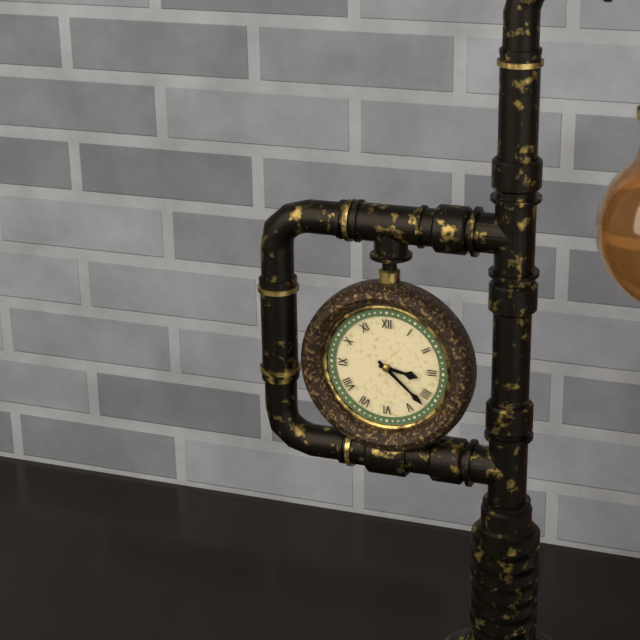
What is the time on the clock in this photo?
3:22
